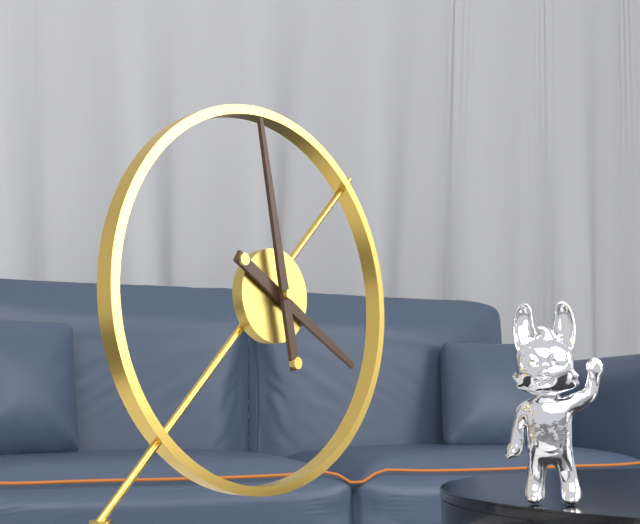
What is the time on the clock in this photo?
3:58
